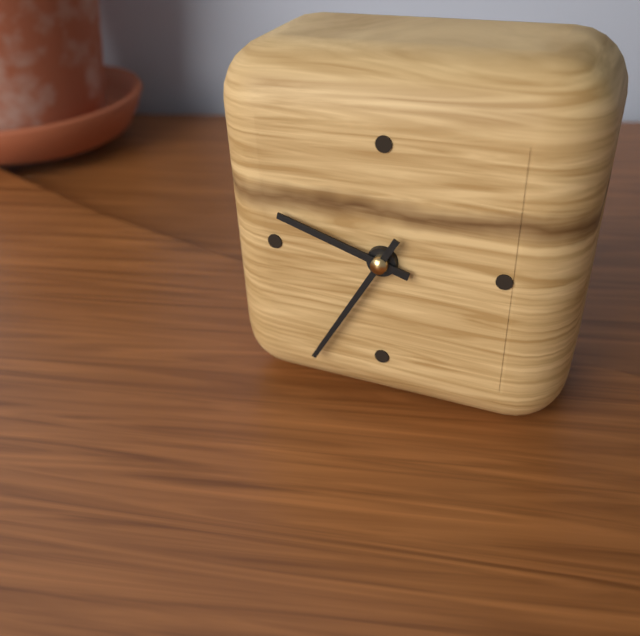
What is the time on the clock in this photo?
9:35
